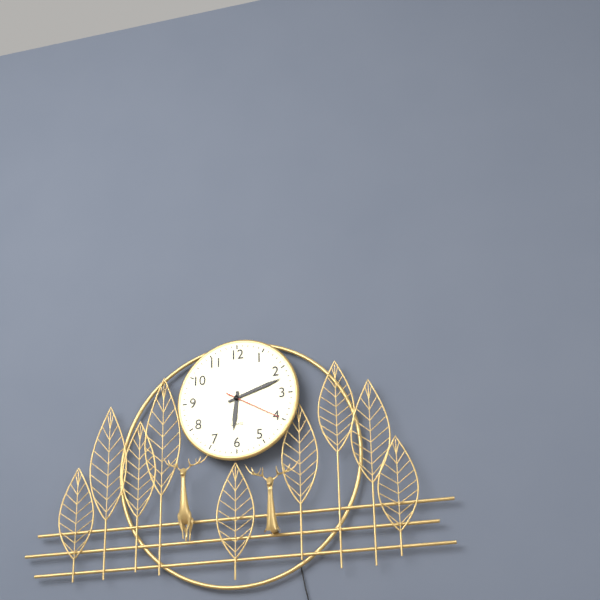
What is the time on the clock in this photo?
6:12:20
